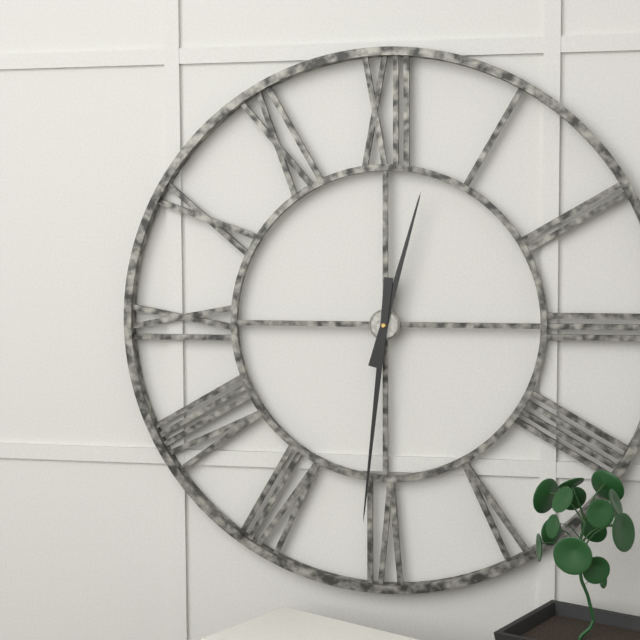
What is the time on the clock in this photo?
12:31
